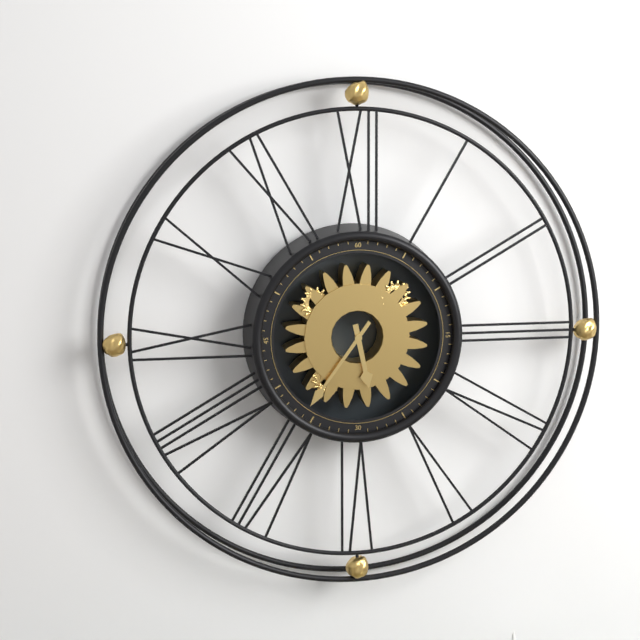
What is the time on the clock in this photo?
5:36
